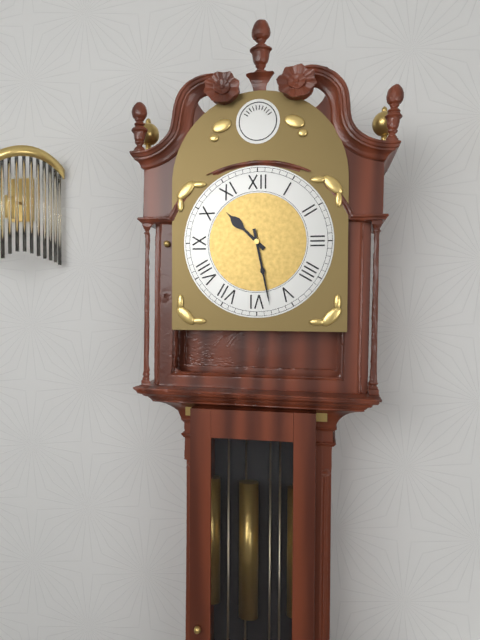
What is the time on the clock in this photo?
10:28
